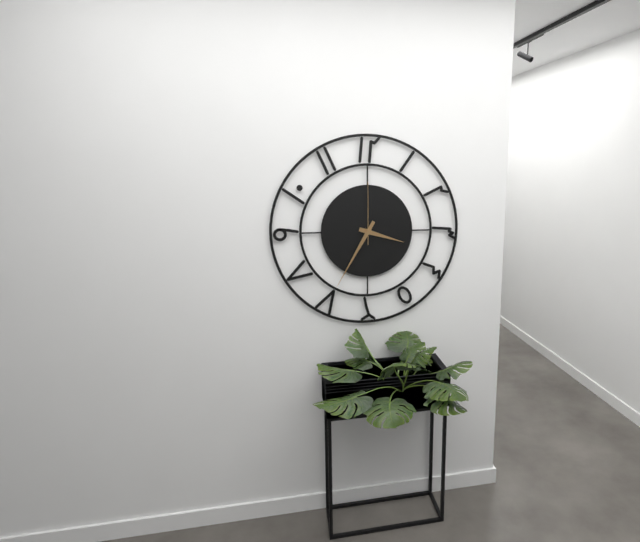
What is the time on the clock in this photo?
3:35:00
